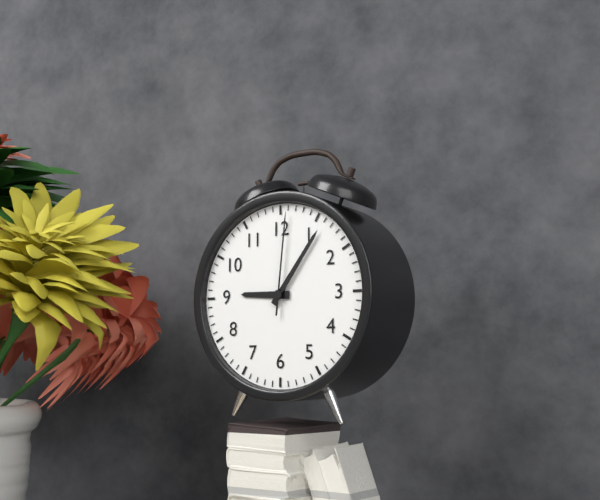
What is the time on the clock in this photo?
9:06:01
